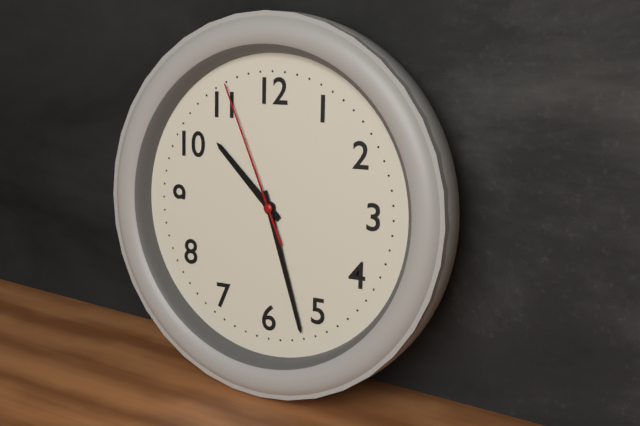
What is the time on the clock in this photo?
10:27:56
